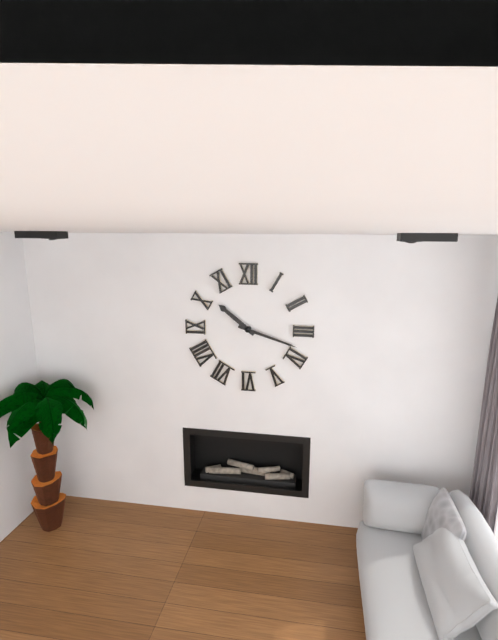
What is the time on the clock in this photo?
10:18
